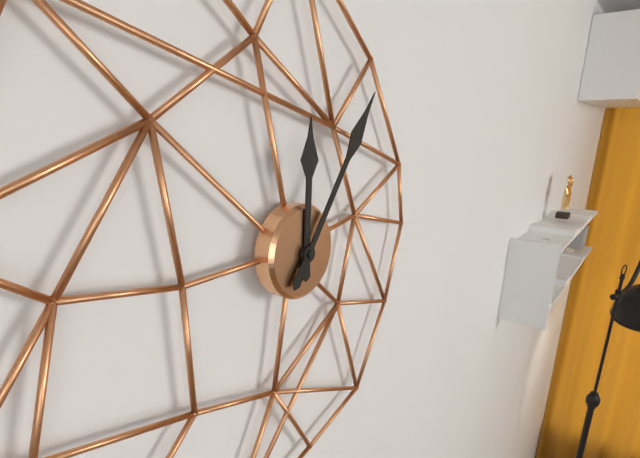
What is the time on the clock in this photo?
12:06
